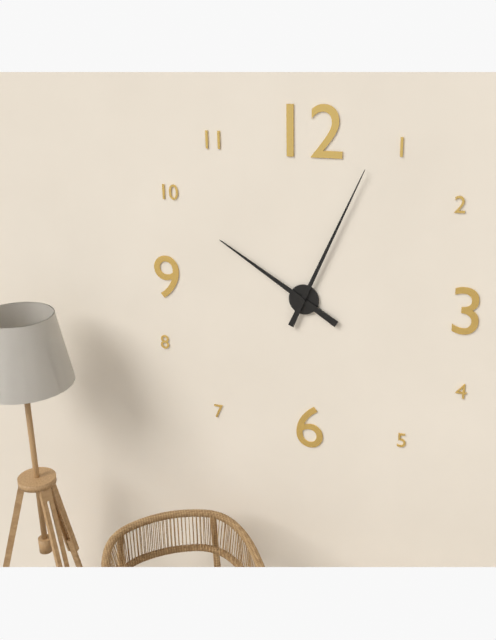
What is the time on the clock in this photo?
10:04
